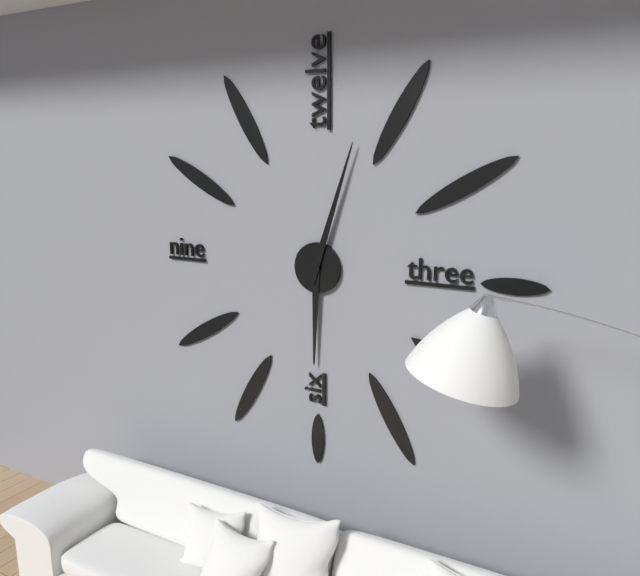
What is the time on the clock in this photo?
6:03
